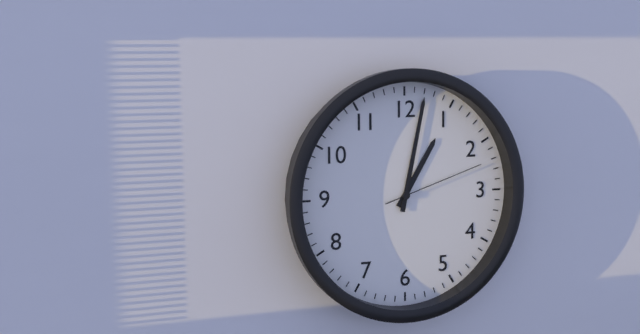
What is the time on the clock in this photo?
1:02:12
